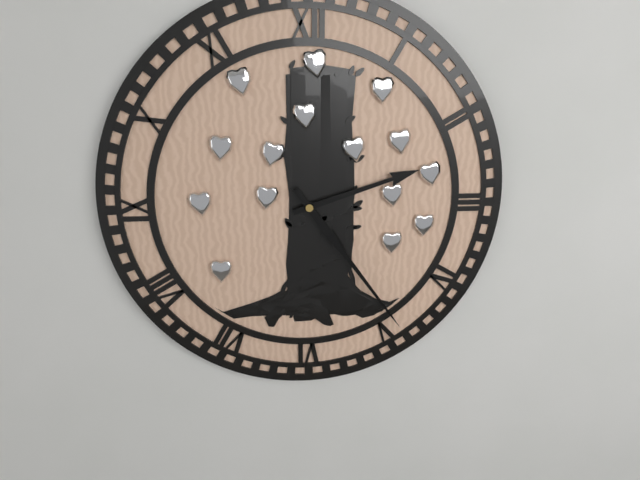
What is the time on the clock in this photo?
2:24
